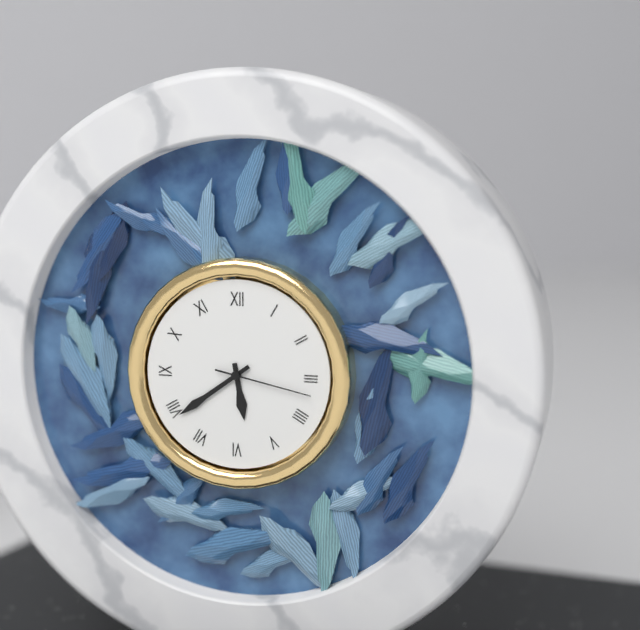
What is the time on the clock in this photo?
5:39:17
